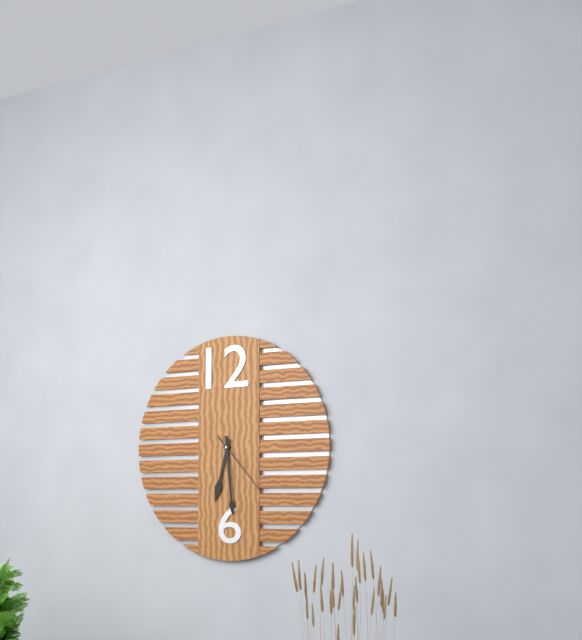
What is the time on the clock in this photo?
6:29:23
